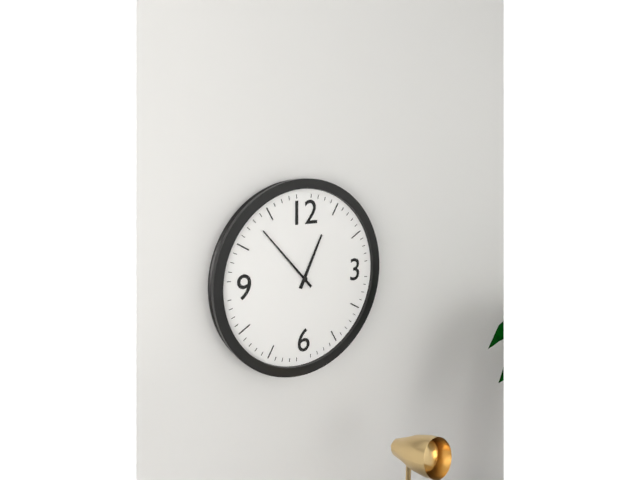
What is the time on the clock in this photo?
12:53
